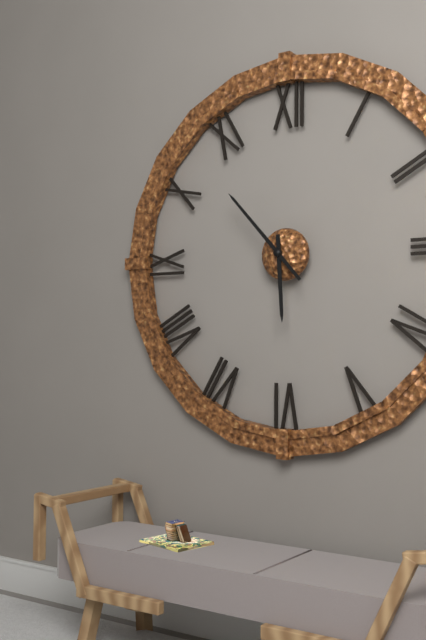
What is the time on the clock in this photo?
5:53
